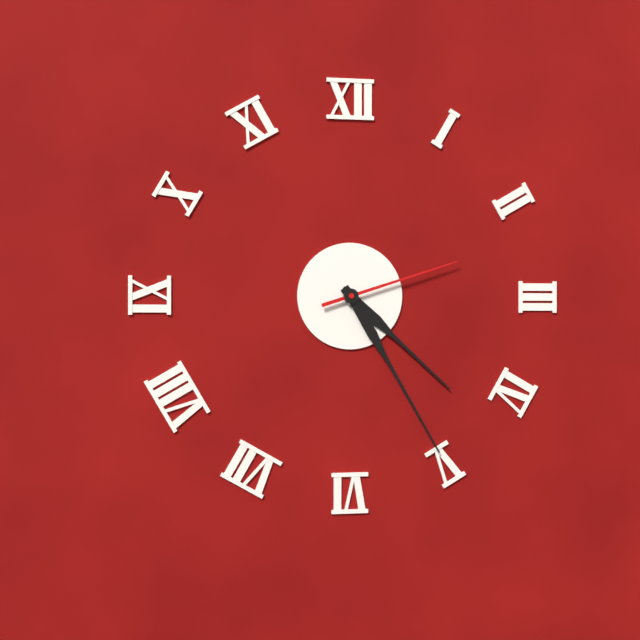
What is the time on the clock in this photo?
4:25:12
